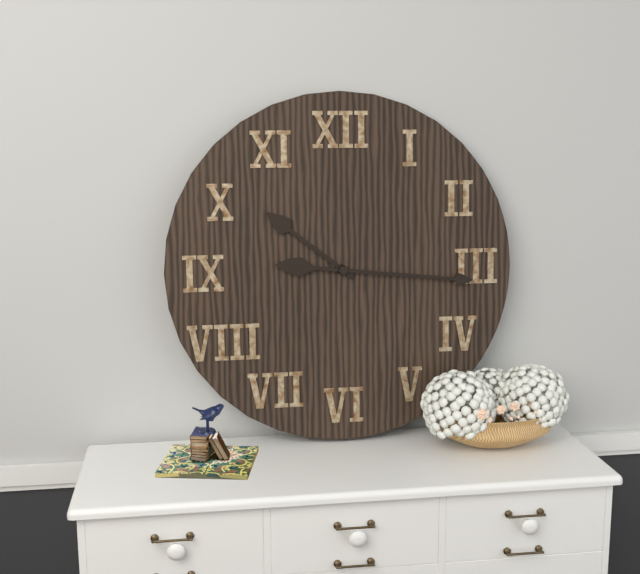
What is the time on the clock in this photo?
10:16
